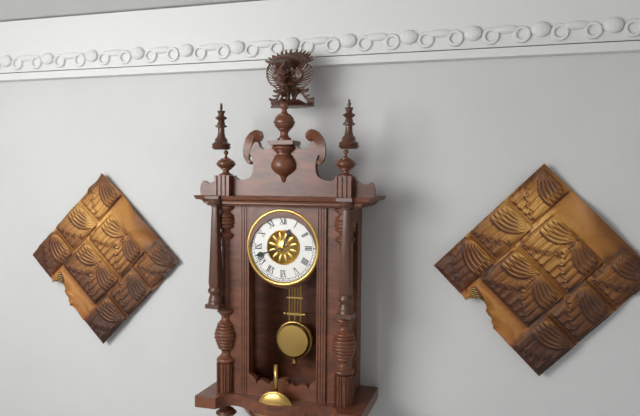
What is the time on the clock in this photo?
12:42
